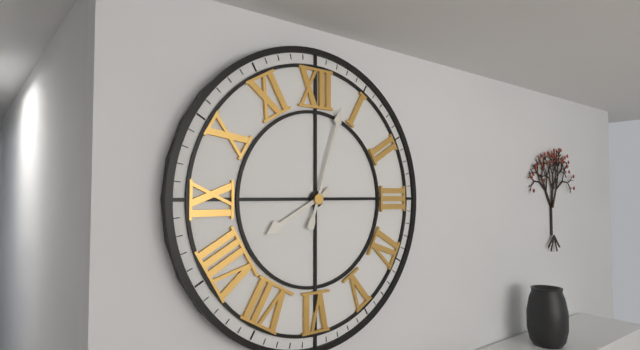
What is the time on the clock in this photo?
8:03
